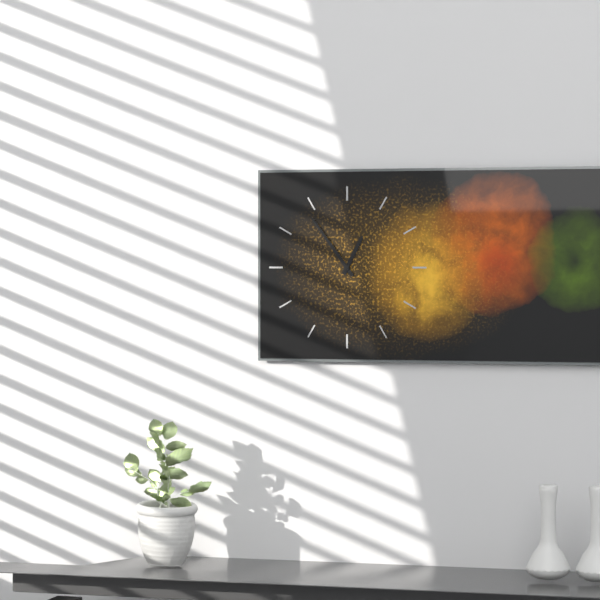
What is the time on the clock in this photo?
12:54
